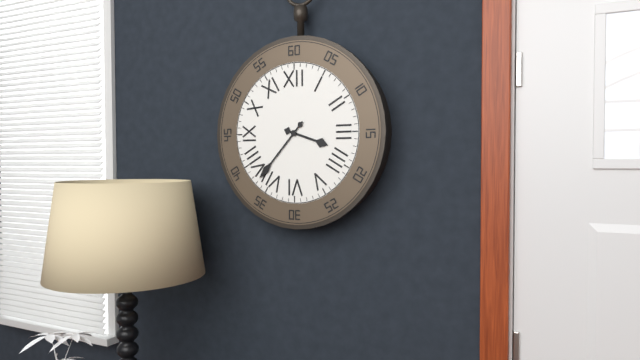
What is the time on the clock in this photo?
3:37
